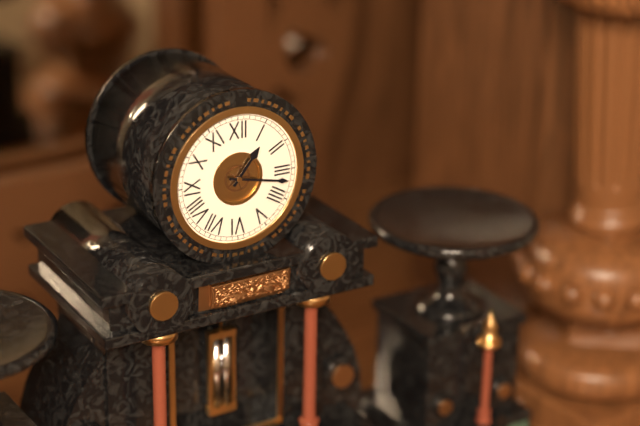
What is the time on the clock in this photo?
1:17
